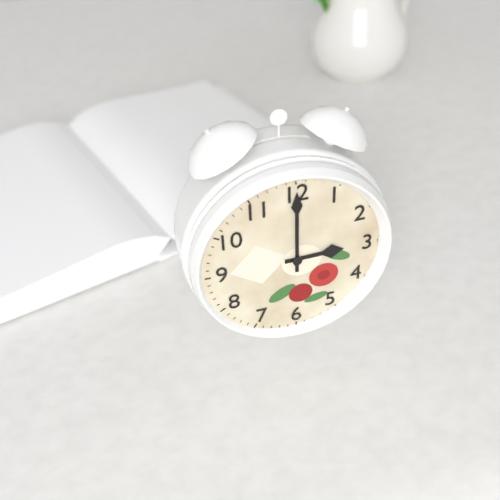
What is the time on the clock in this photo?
3:00
